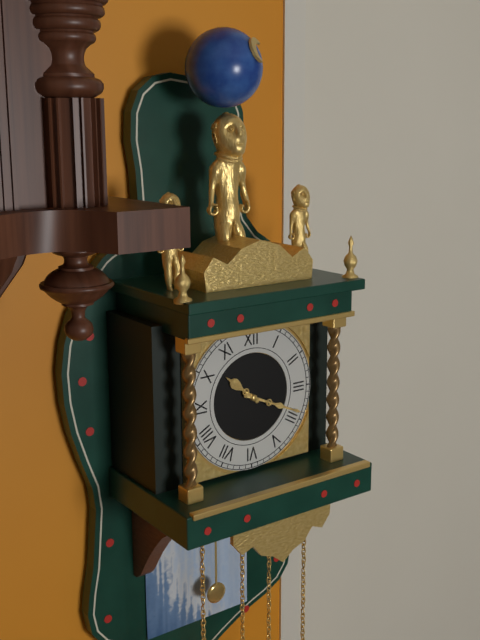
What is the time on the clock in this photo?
10:19
